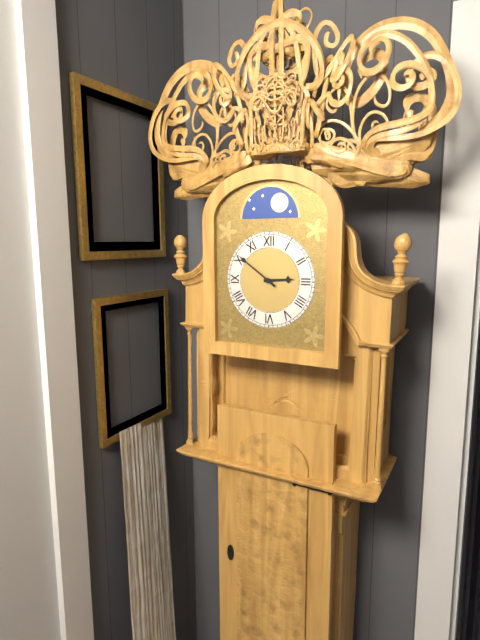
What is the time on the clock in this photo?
2:51
